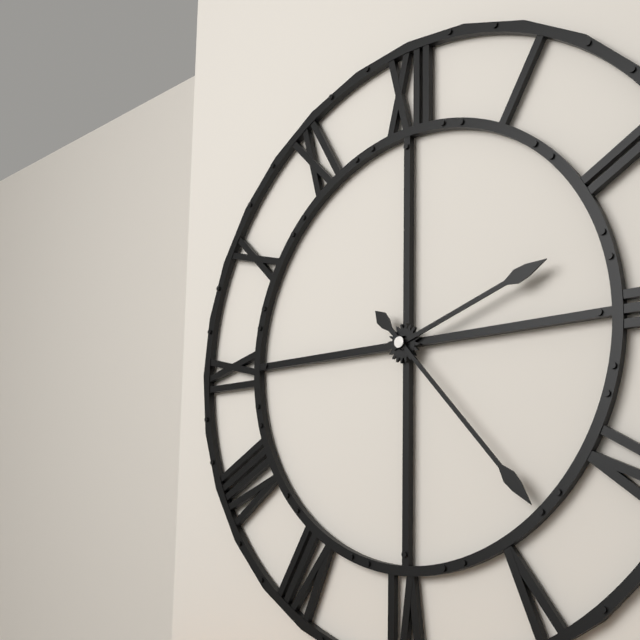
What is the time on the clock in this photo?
2:23
